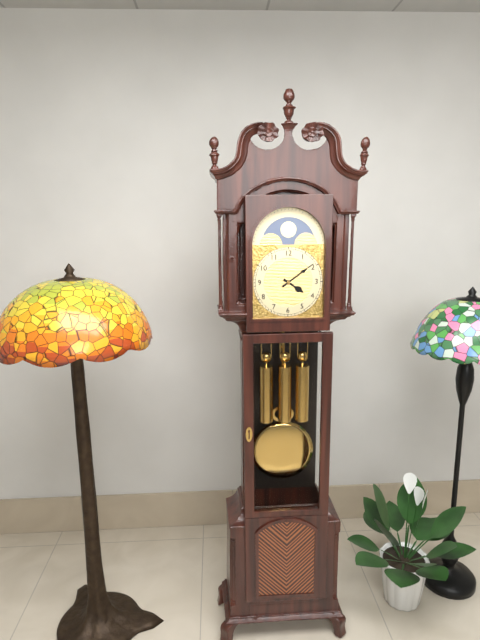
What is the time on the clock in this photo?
4:09
